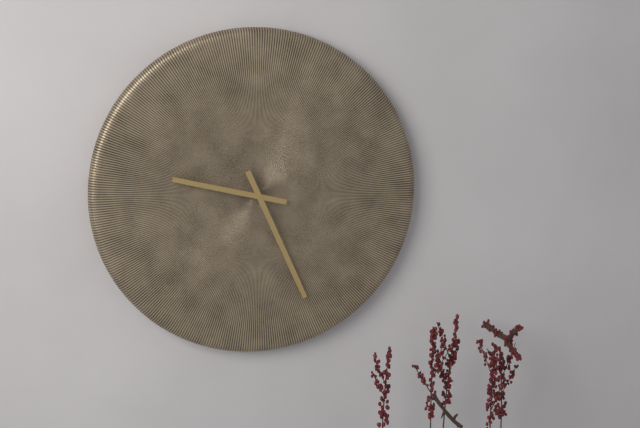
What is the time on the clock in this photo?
9:26
